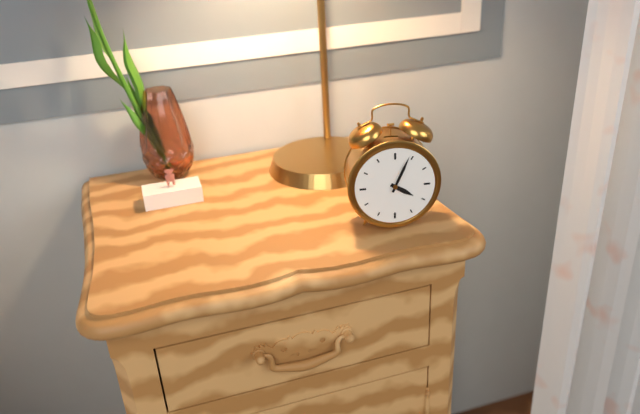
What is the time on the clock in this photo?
4:04
